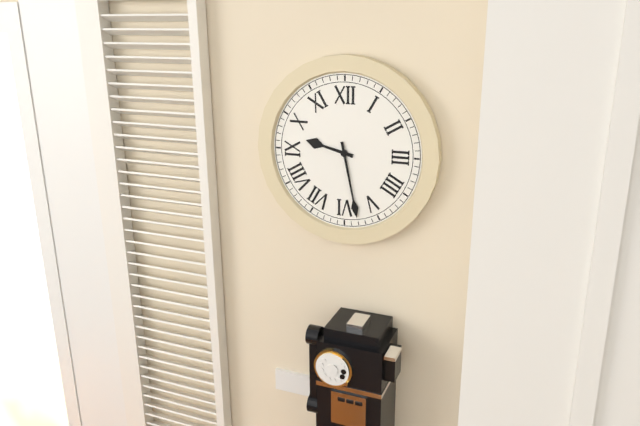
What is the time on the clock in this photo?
9:28
